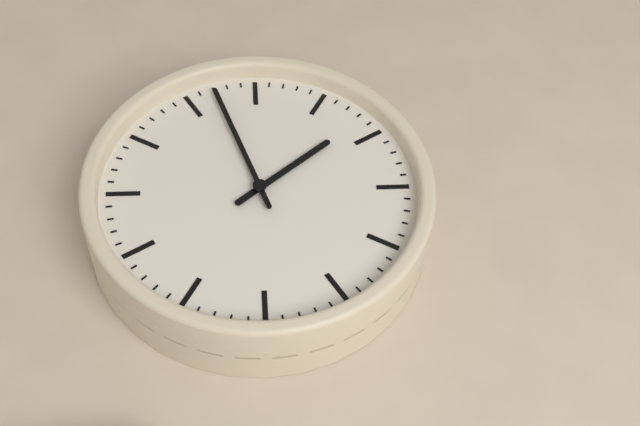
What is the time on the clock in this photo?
10:42
